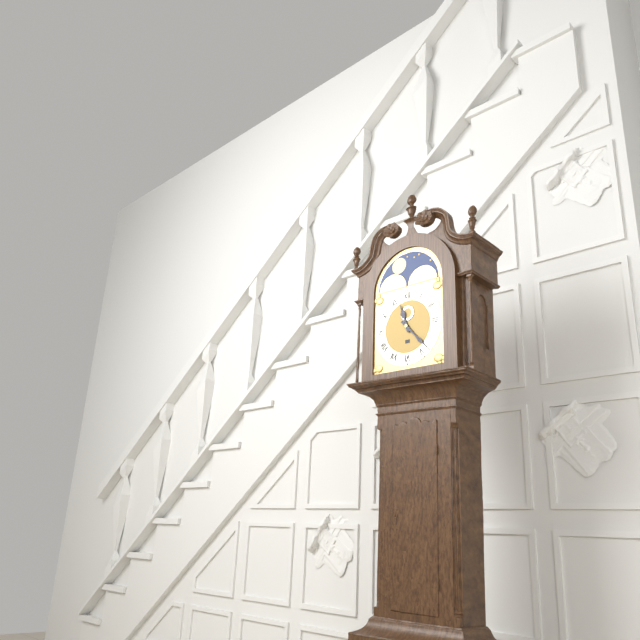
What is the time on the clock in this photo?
11:23
